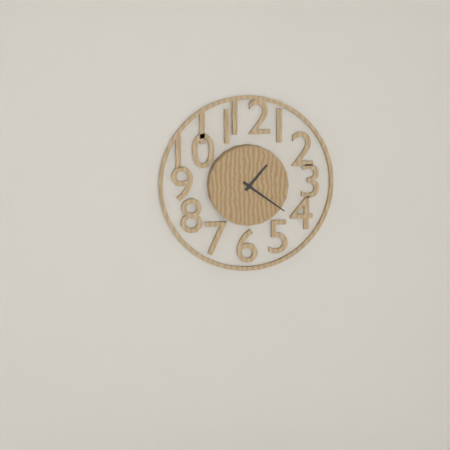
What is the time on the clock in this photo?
1:21
